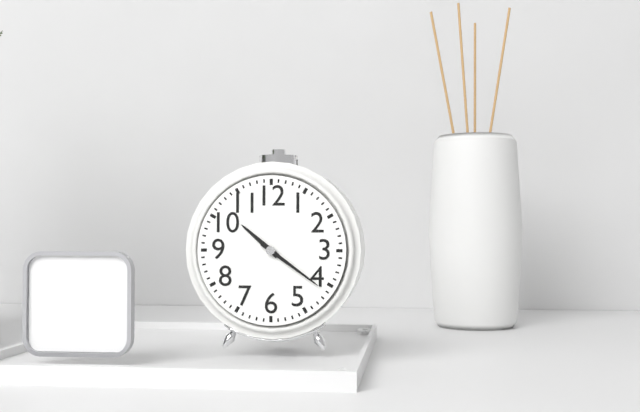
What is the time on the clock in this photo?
10:21
